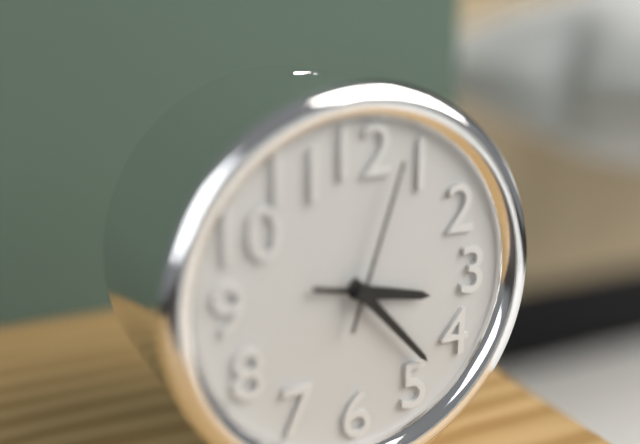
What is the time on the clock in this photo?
3:23:03
